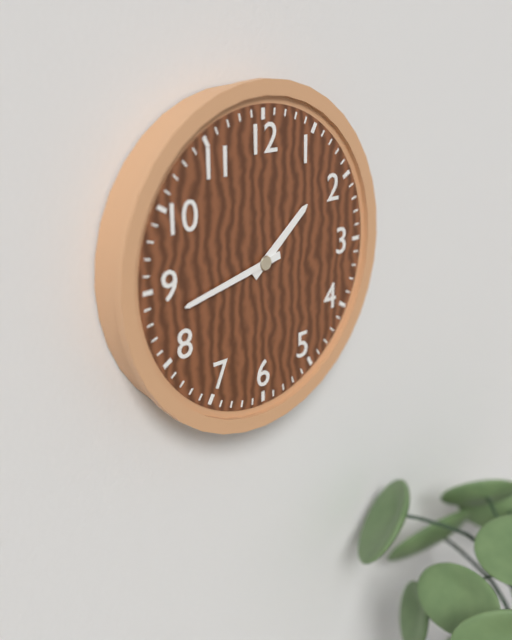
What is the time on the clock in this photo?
1:43
